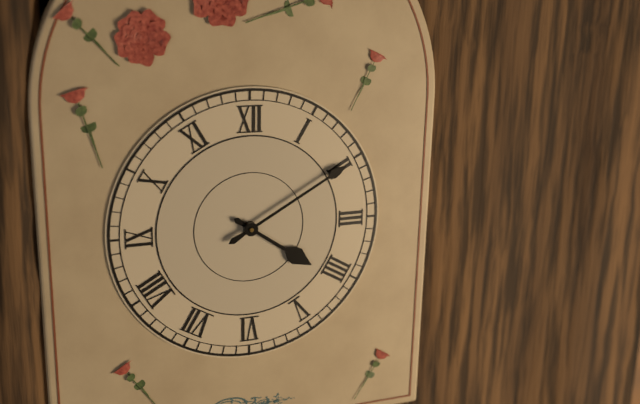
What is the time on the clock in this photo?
4:10
